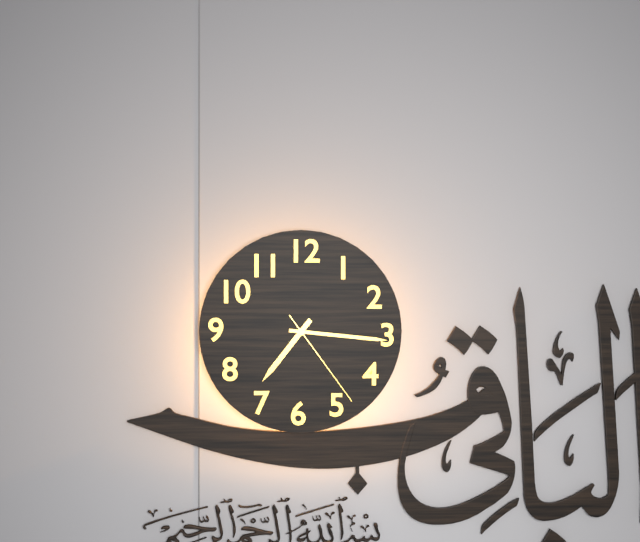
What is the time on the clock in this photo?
7:16:24
